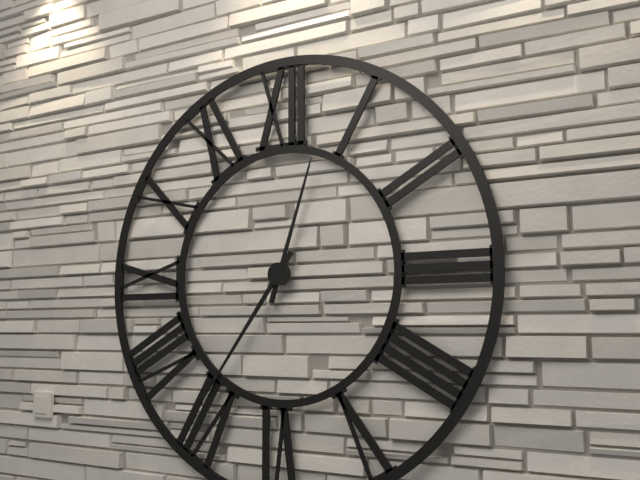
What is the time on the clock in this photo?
12:36
